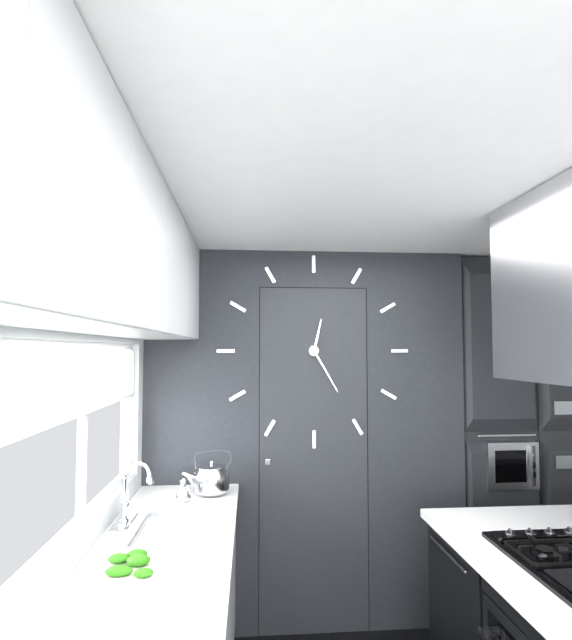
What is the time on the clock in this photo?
12:25
